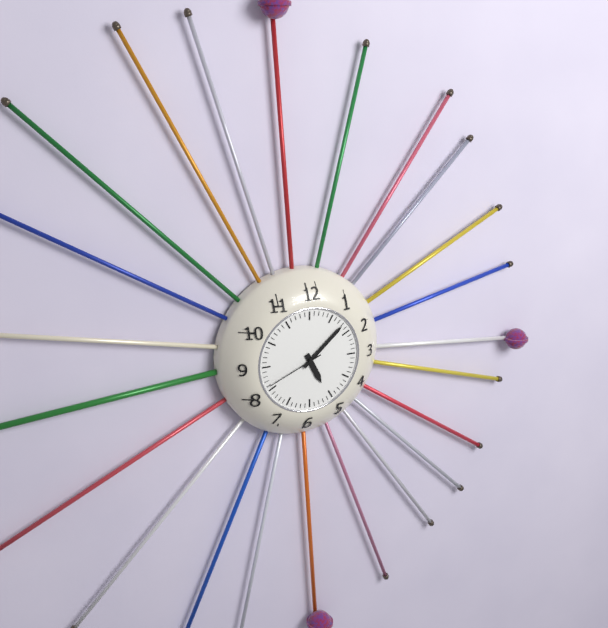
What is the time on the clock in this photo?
5:08:41
